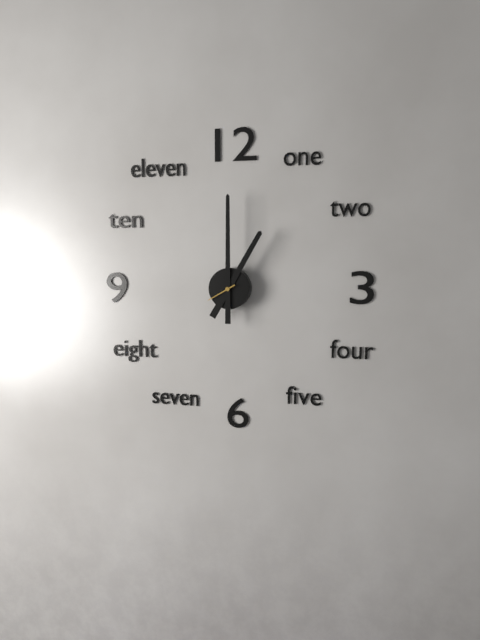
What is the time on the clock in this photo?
1:00
